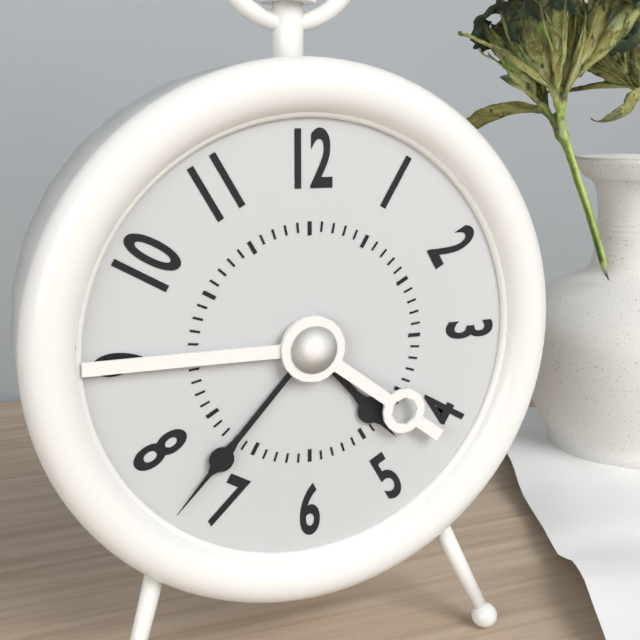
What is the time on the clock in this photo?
4:37
